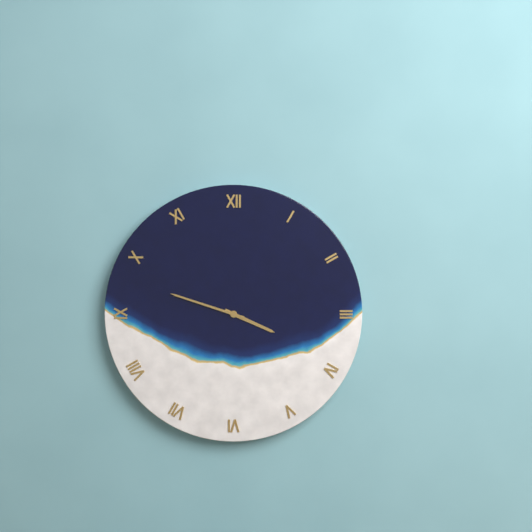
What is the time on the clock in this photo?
3:48
